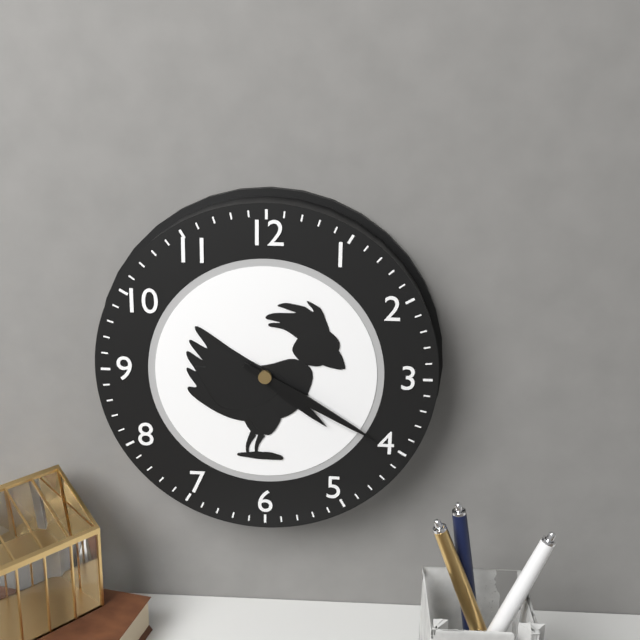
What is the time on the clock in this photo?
4:20
